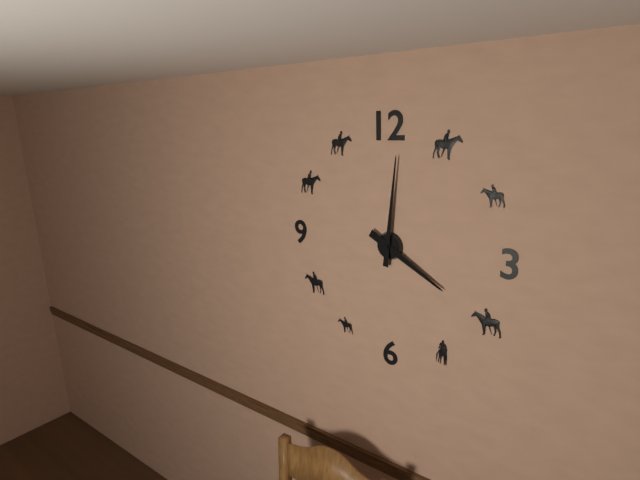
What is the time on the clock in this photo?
4:01
